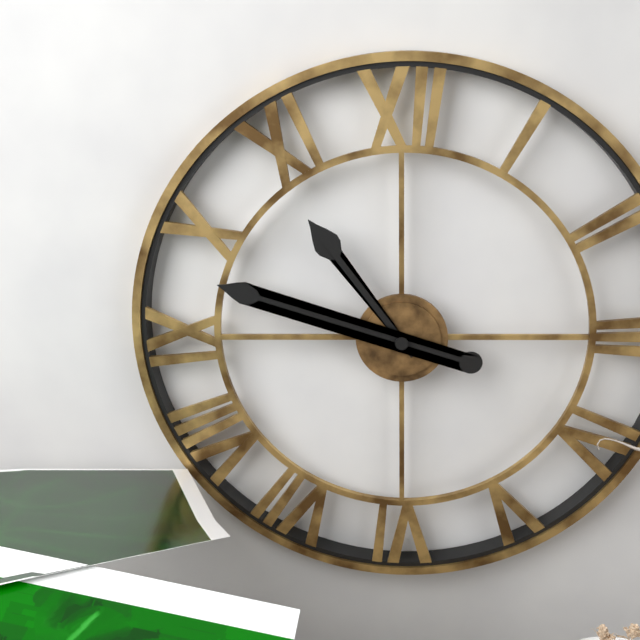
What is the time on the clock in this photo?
10:48
